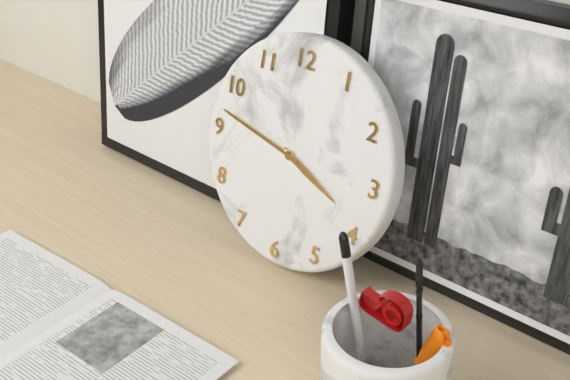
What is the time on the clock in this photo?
3:47
